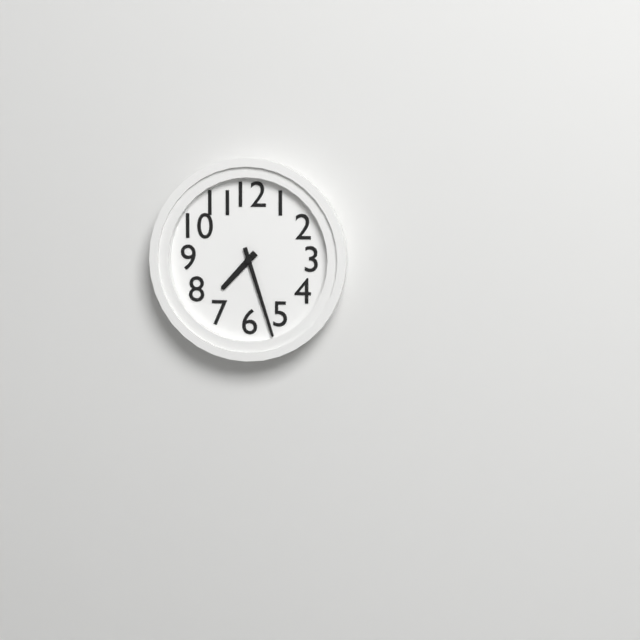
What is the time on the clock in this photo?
7:27
